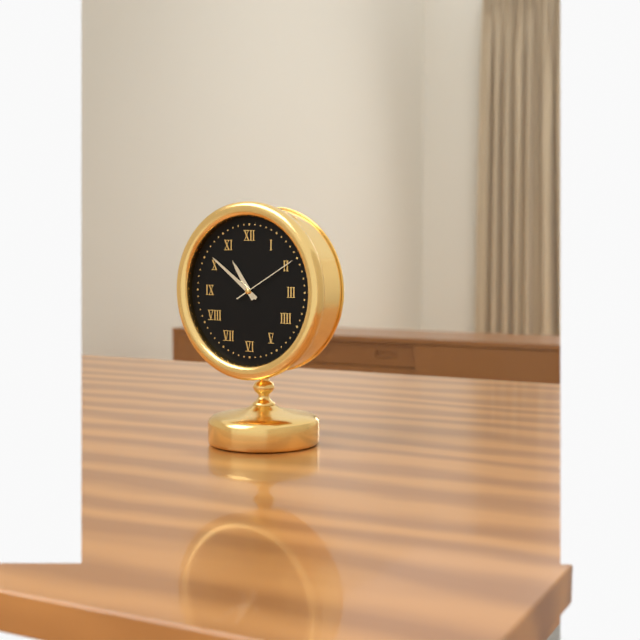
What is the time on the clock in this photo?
10:51:10
